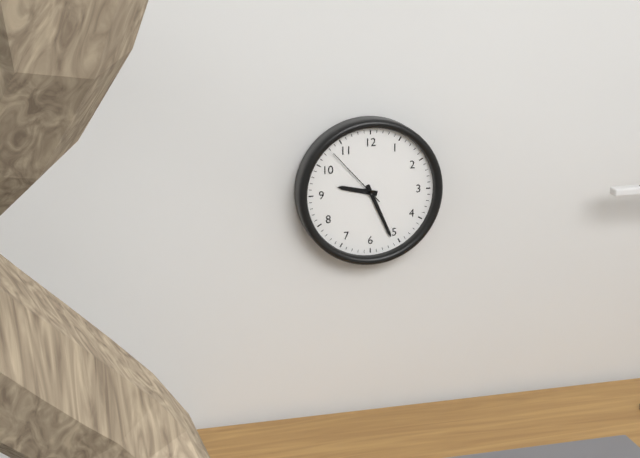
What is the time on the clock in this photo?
9:26:53
